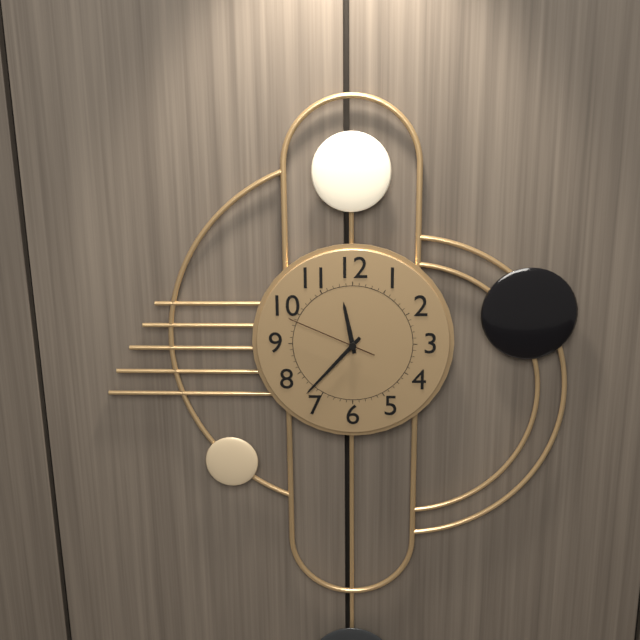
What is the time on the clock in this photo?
11:37:49
